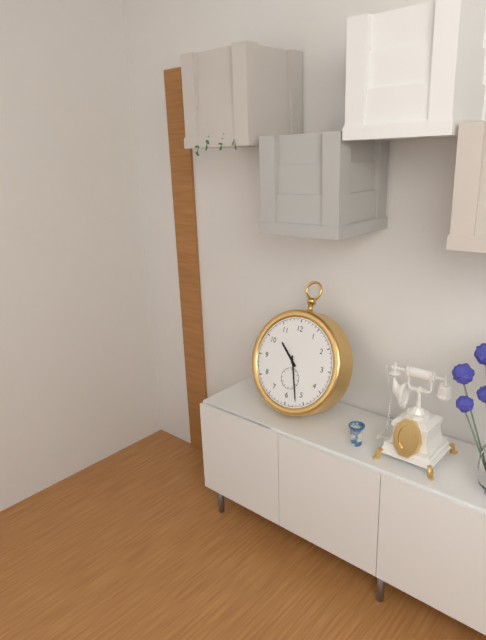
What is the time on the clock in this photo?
10:27
